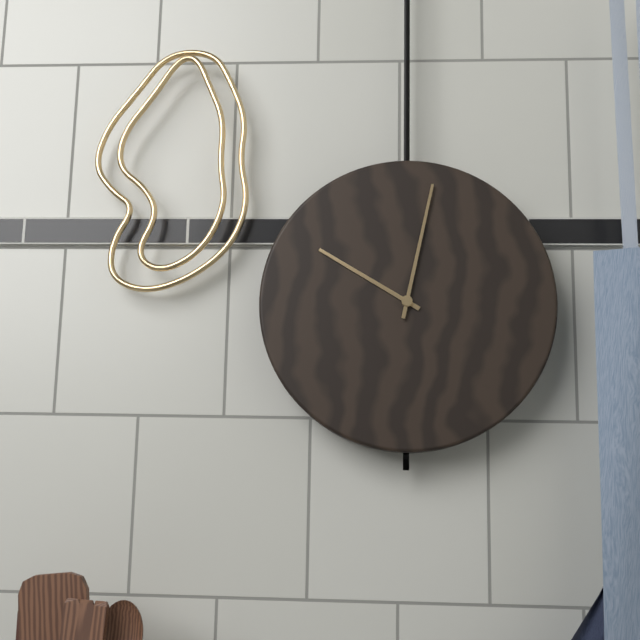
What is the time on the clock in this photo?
10:02
